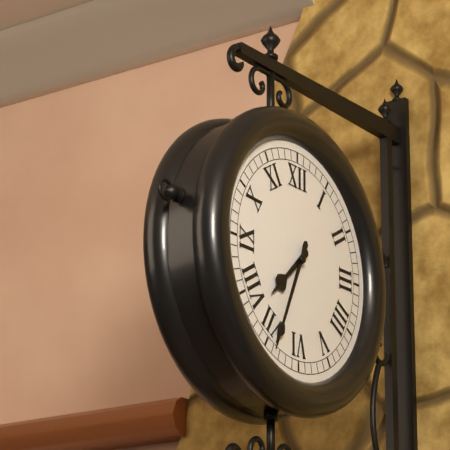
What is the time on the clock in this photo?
7:34
